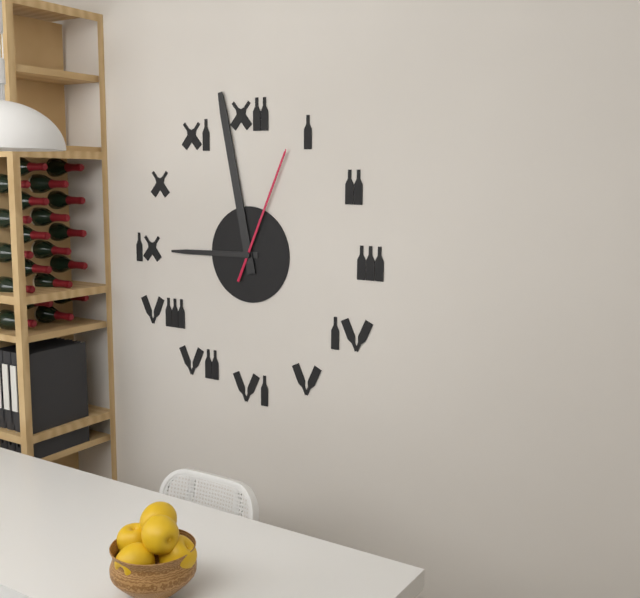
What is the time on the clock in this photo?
8:58:04
